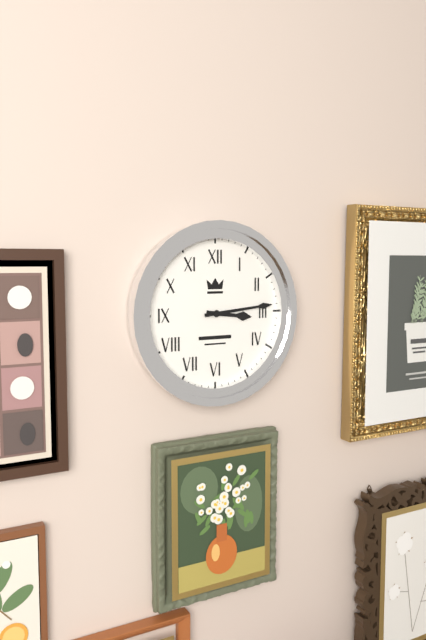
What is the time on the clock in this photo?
3:14
